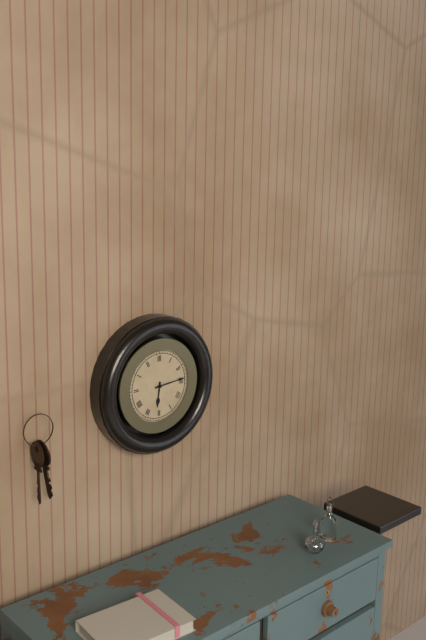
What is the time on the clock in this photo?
6:14
